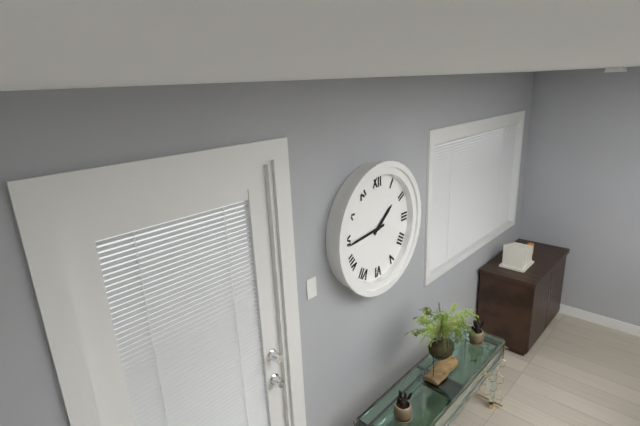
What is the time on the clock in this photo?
1:44
